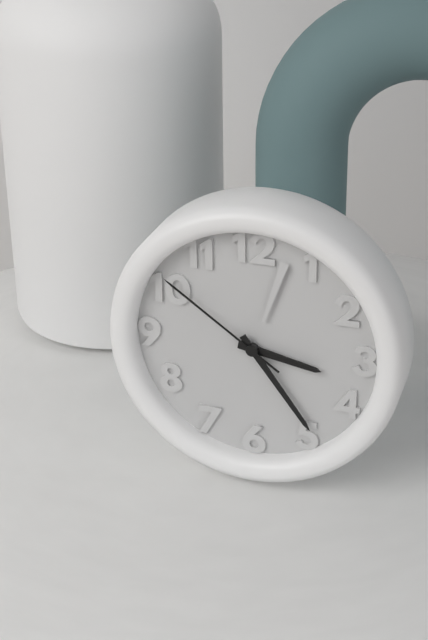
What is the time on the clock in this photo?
3:24:51
